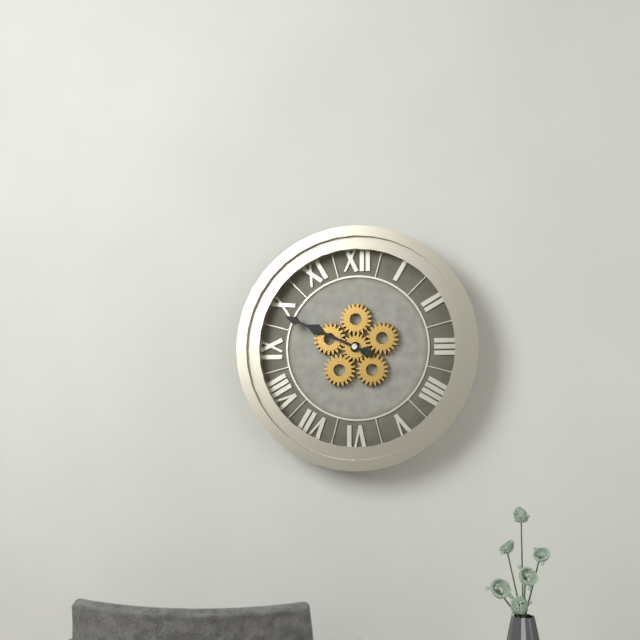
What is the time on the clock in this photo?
9:49
